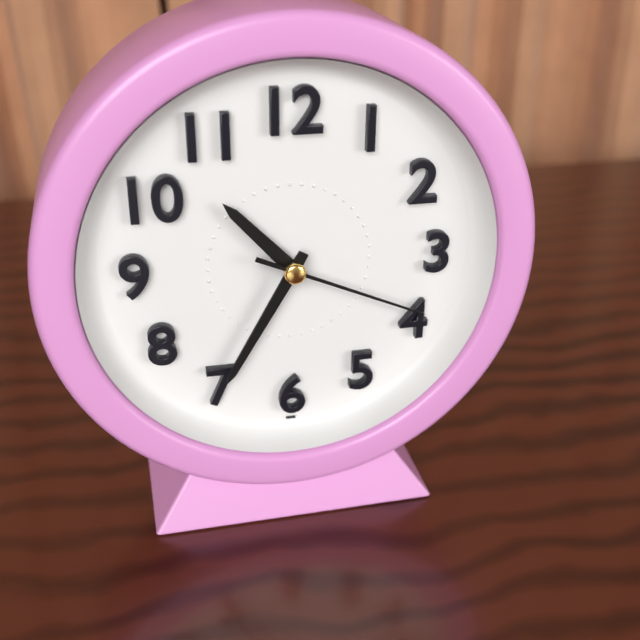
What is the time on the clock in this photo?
10:35:19
